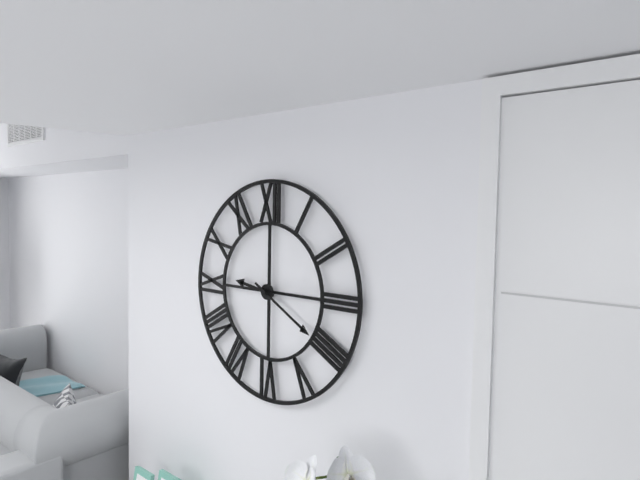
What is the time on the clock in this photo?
9:20
